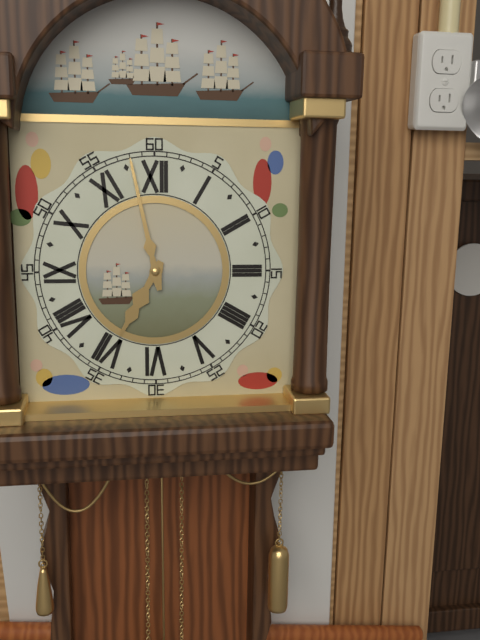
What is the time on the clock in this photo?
6:58
